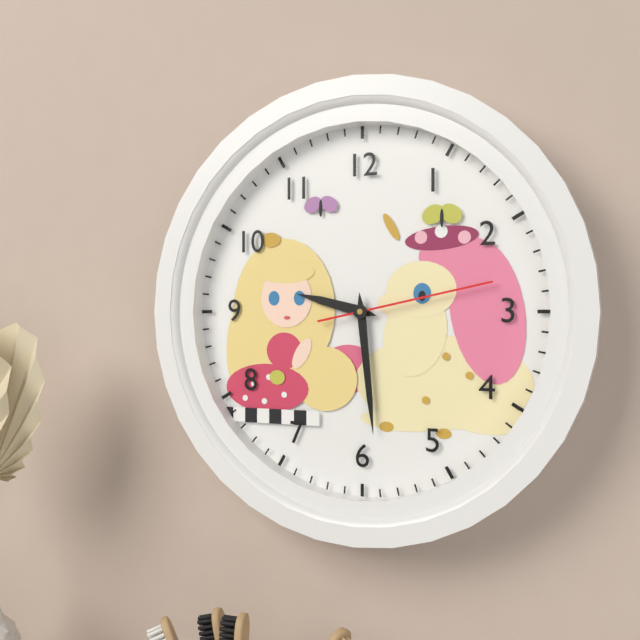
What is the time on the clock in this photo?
9:29:13
